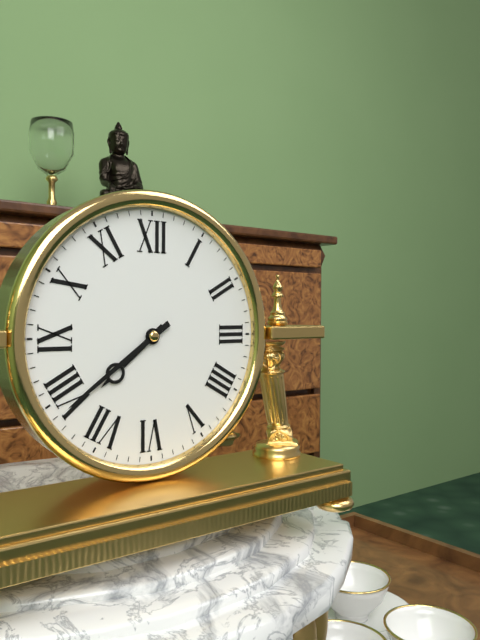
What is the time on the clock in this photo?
7:39
